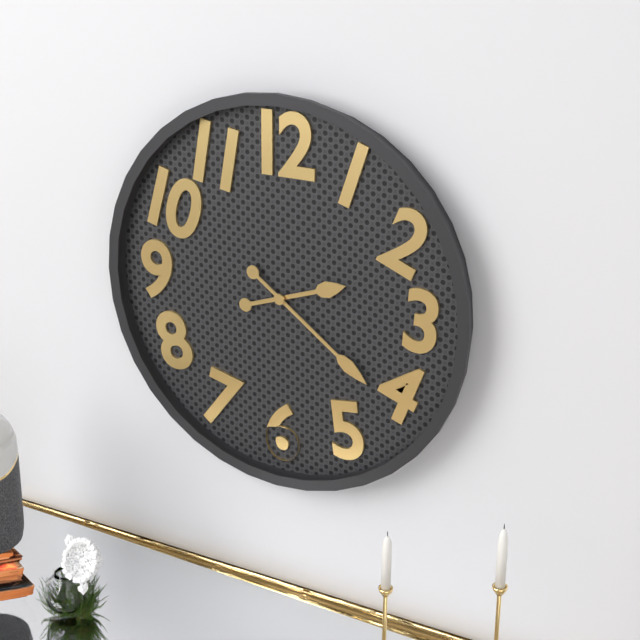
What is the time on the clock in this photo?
2:21
